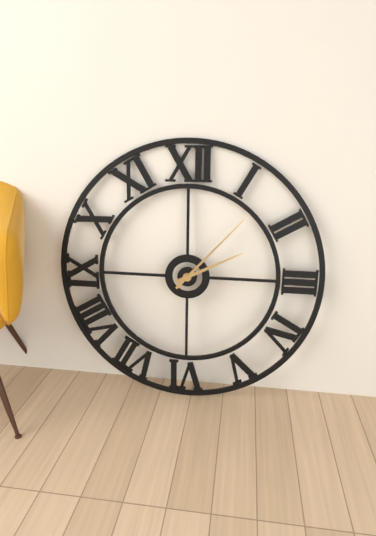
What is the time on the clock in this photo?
2:07
